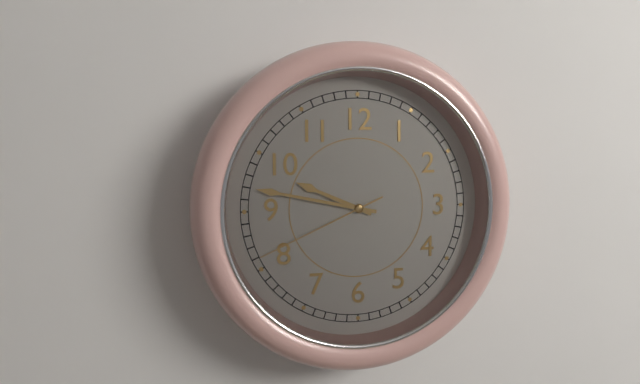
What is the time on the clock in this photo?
9:47:41
